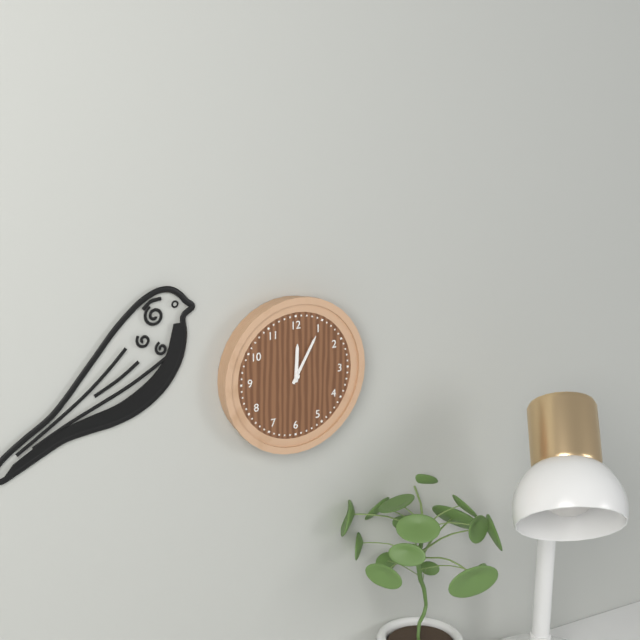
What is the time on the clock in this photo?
12:05
